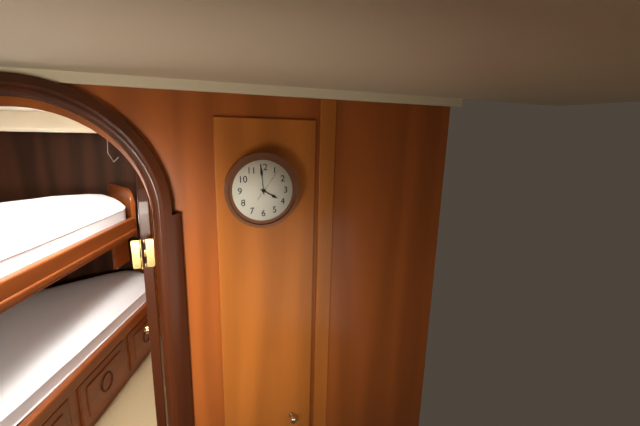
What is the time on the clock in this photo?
3:59
